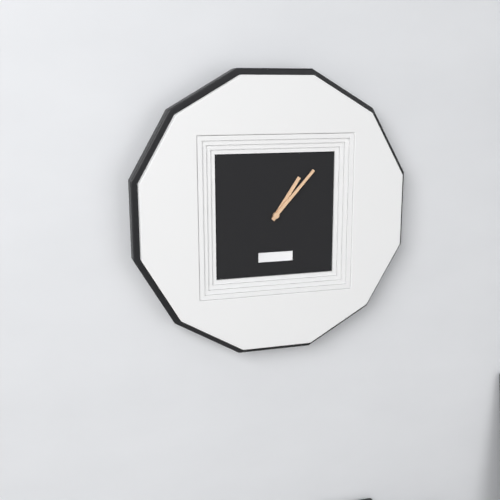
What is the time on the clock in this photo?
1:07
